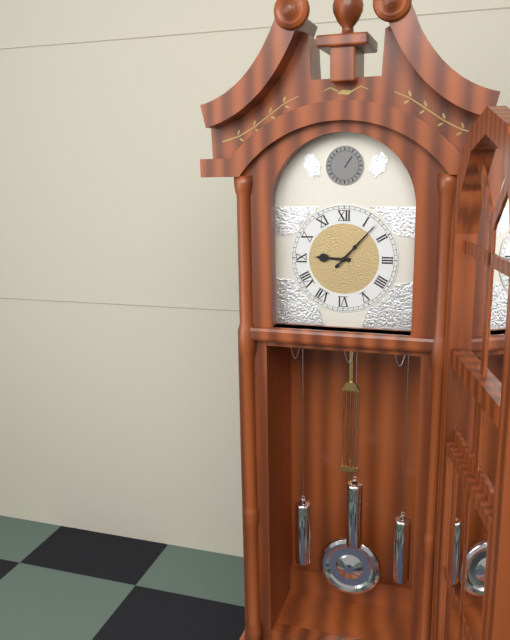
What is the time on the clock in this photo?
9:07
